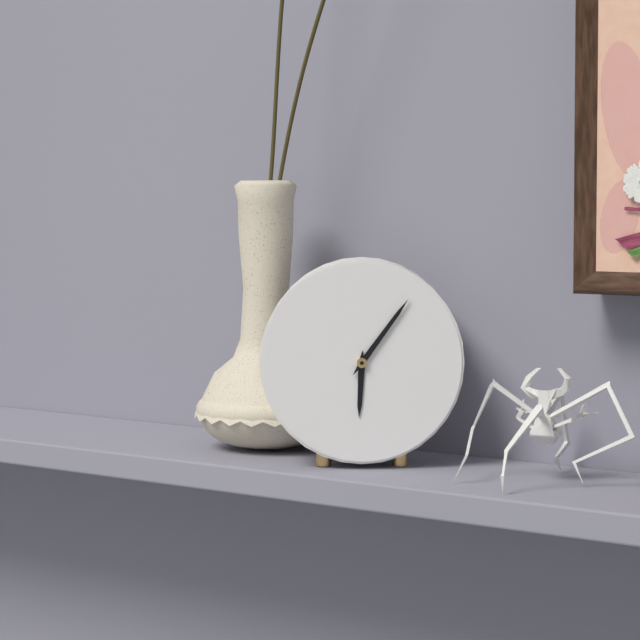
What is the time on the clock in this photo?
6:06
